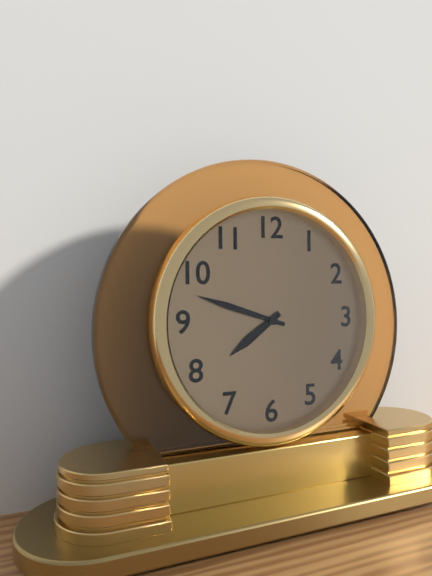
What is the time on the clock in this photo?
7:48
